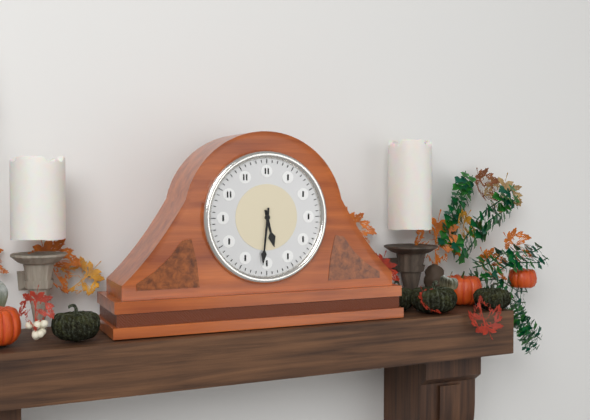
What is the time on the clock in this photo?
5:31
